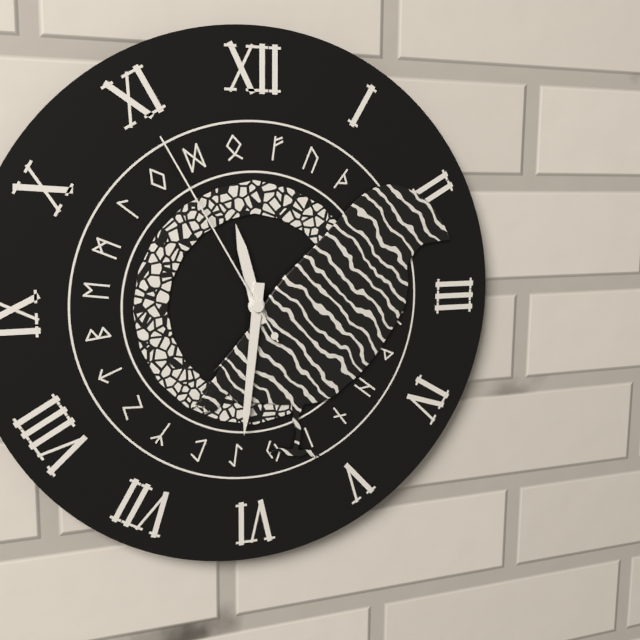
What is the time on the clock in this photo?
11:31:55
